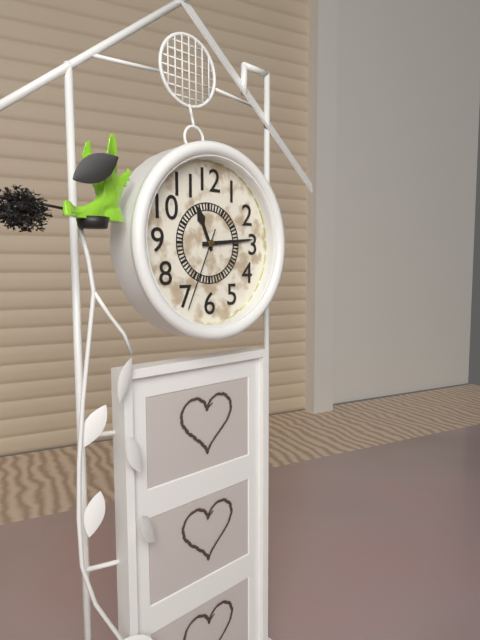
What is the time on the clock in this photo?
11:14:34
